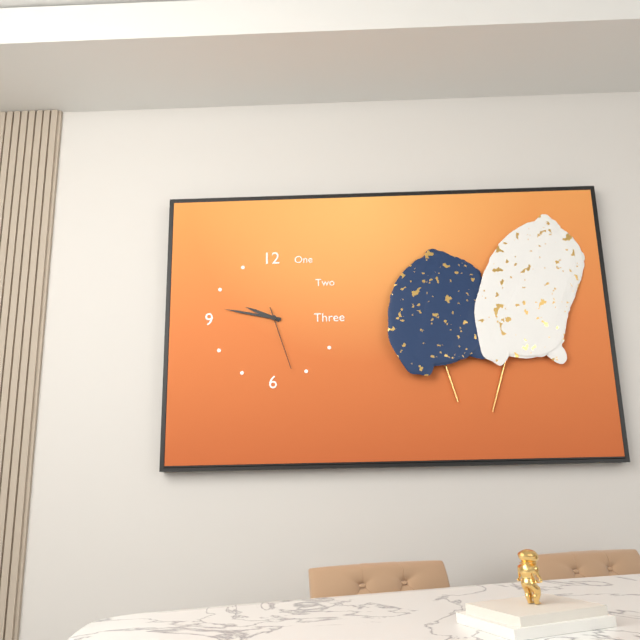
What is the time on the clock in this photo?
9:47:27
